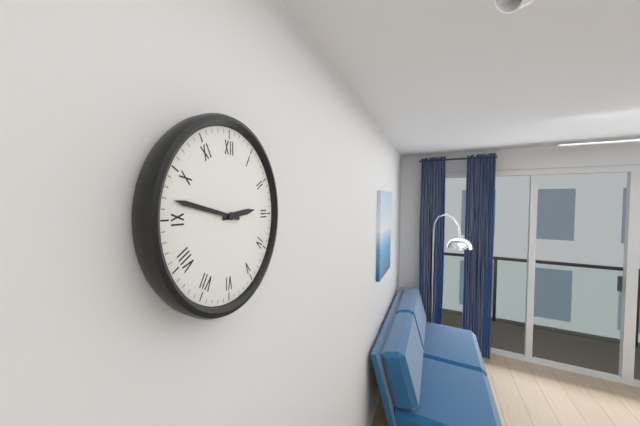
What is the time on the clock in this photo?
2:47
